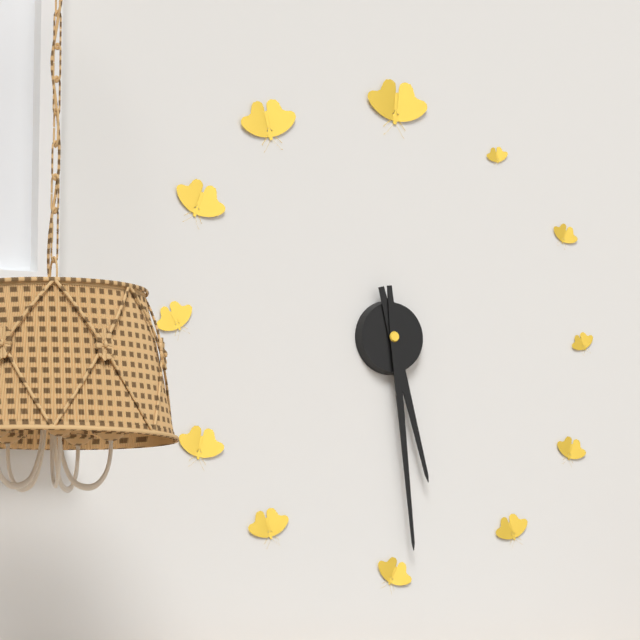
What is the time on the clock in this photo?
5:29
